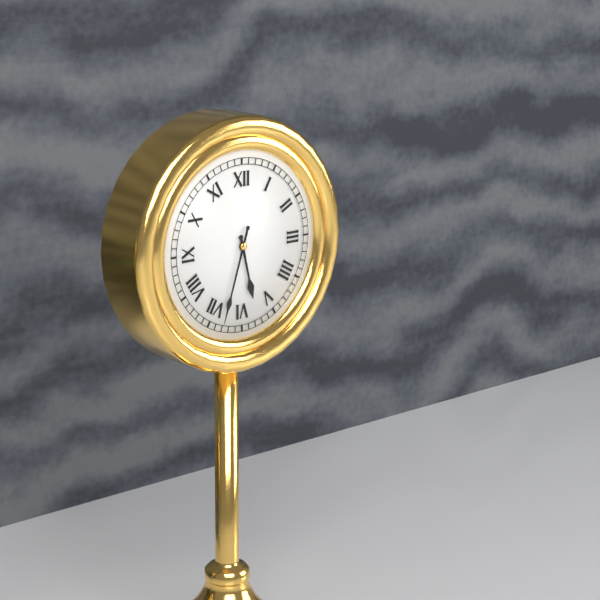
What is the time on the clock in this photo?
5:33
